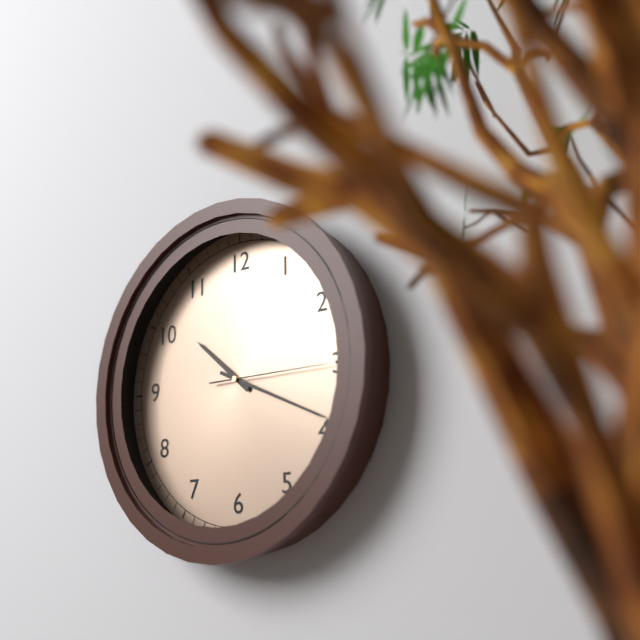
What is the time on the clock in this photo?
10:19:15
